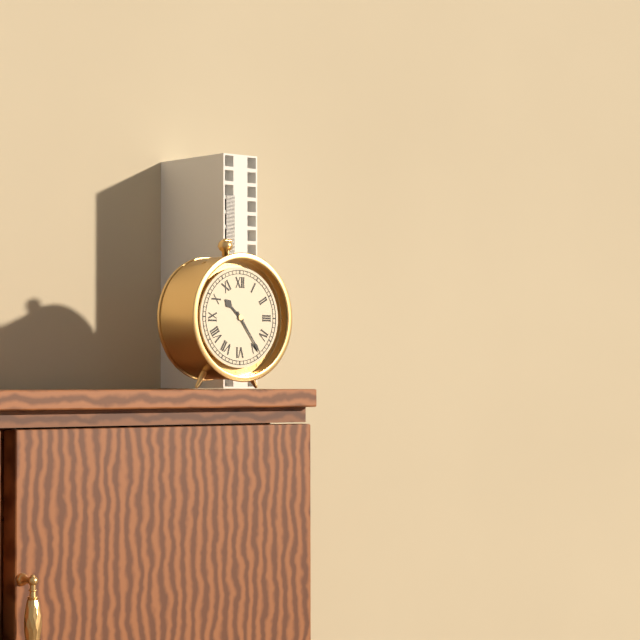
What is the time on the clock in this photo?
10:24
